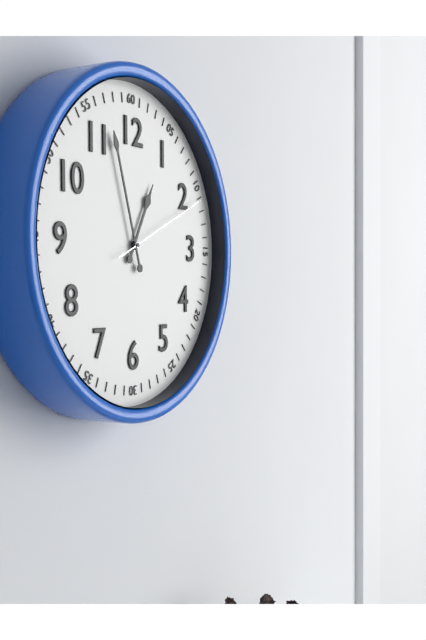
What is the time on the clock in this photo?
12:57:11
